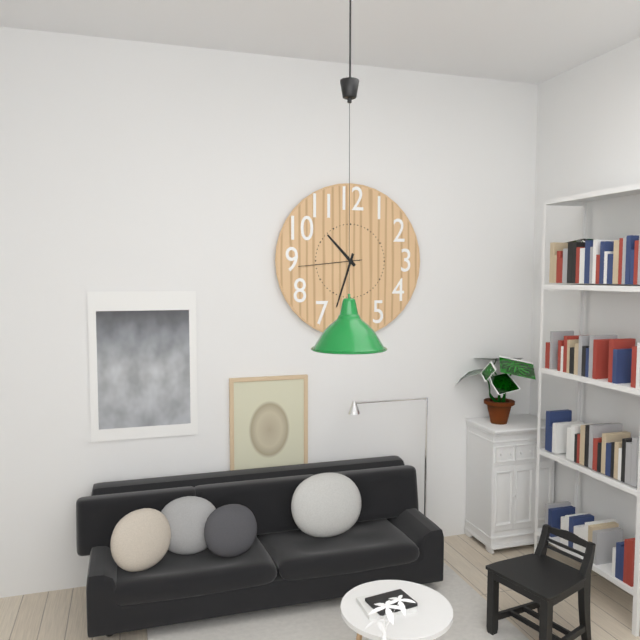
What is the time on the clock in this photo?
10:33:44
